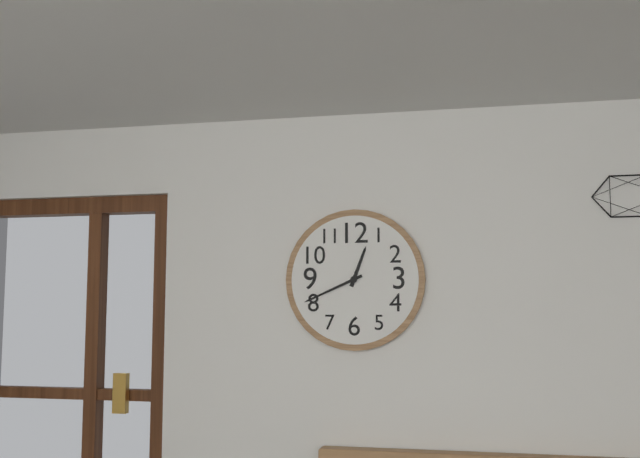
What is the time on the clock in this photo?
12:41
